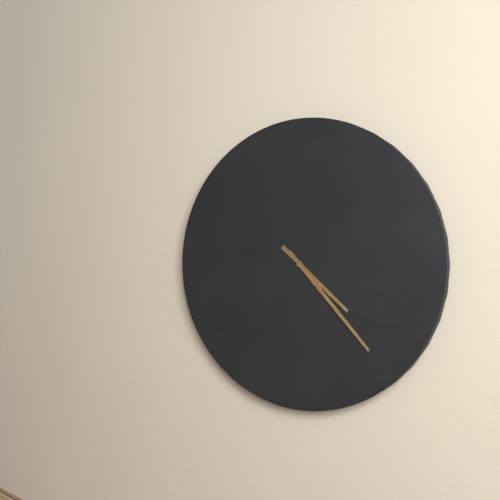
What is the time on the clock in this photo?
4:23
